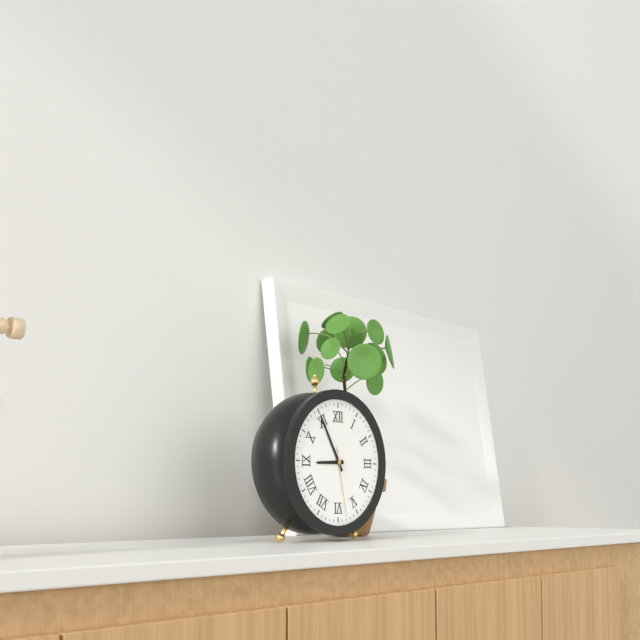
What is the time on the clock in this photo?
8:55:28
